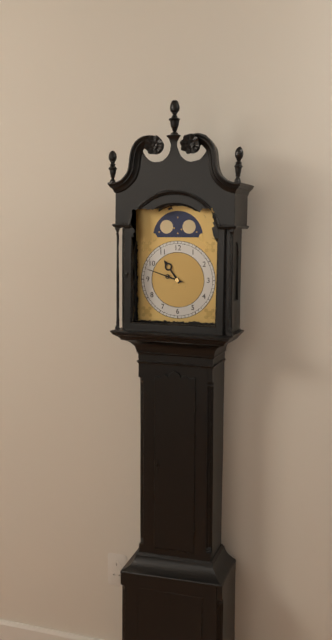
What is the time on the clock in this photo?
10:48
